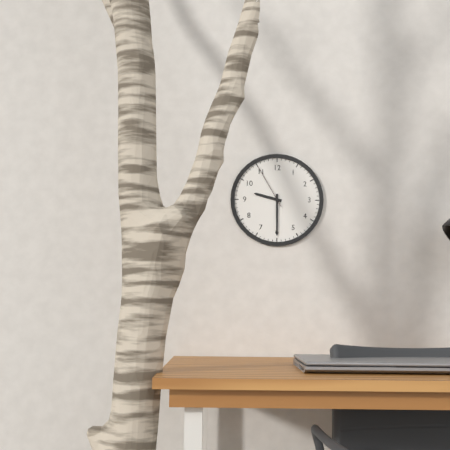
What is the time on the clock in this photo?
9:30
